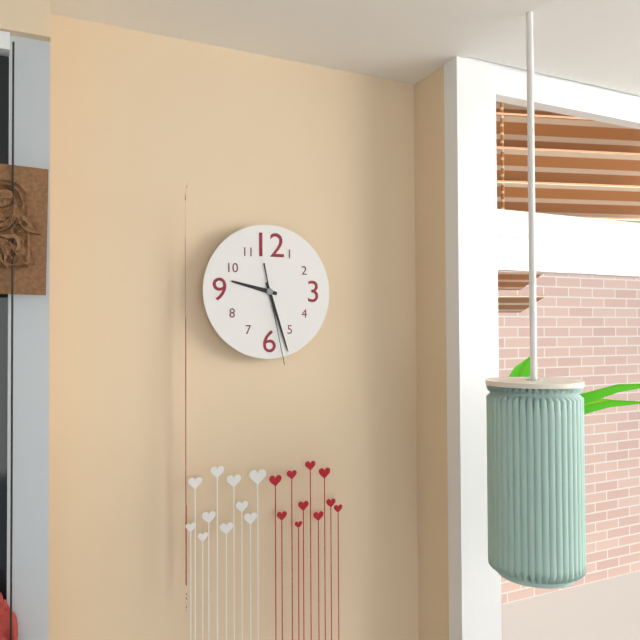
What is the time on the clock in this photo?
9:27:28
